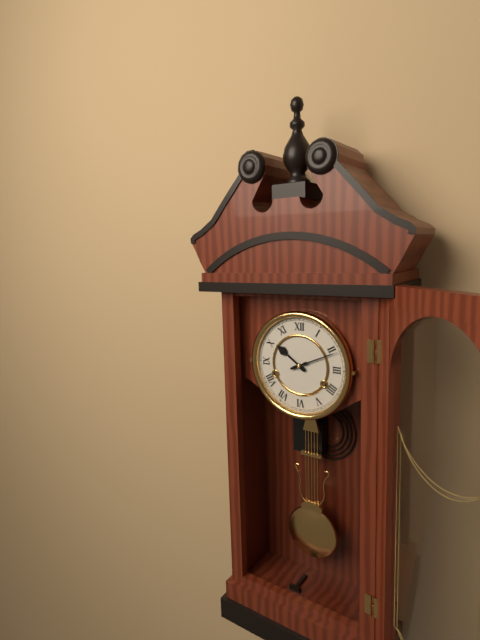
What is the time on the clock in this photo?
10:11
